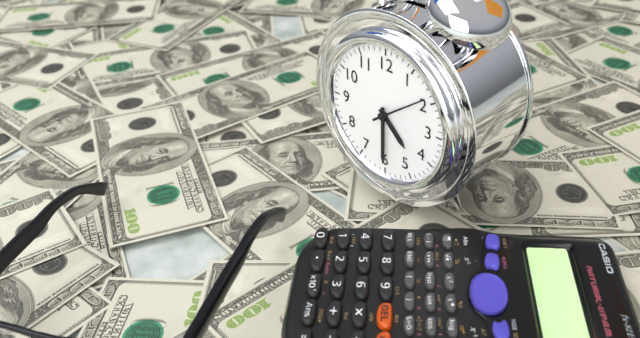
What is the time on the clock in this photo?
4:30
